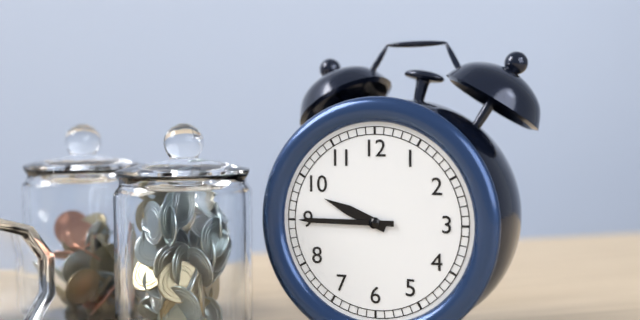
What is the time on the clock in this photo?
9:45
